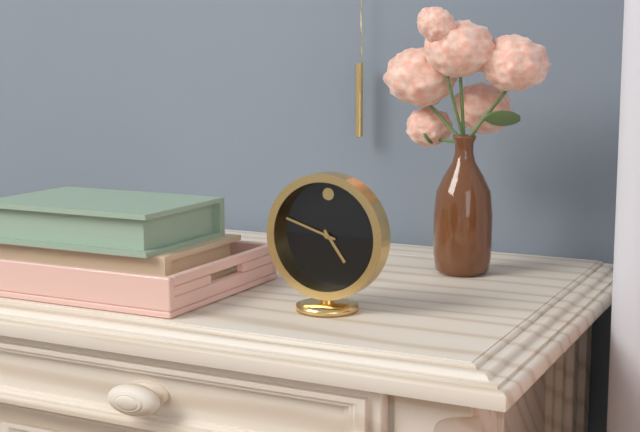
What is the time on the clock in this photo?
4:48
